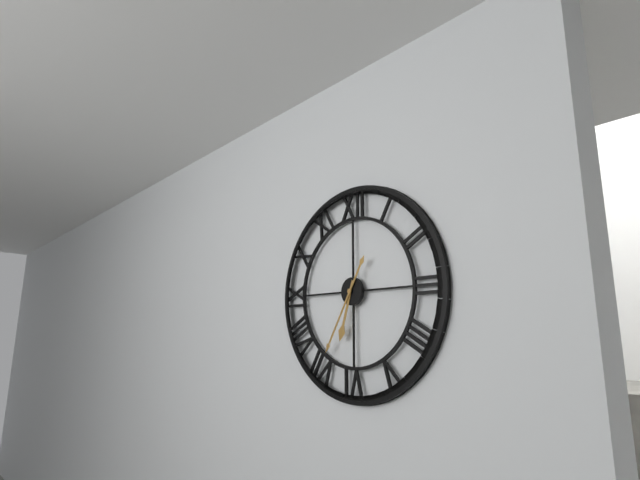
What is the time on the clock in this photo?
6:35
